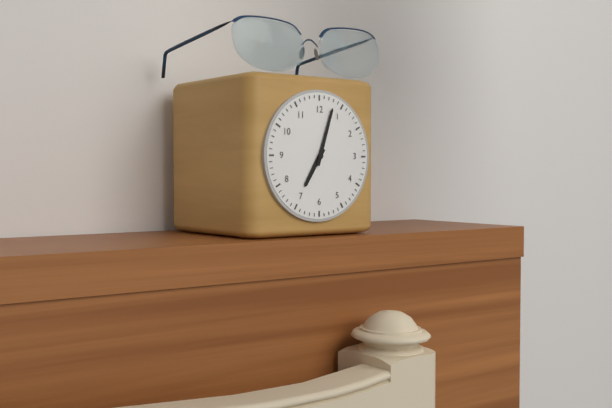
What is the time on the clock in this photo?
7:03
